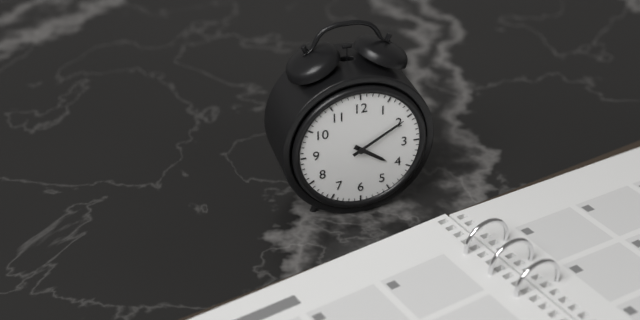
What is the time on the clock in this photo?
4:10
